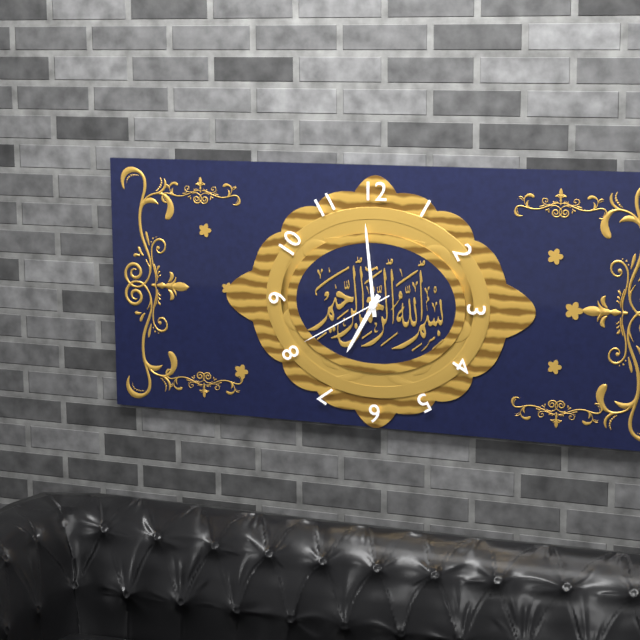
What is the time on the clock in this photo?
6:59:40
